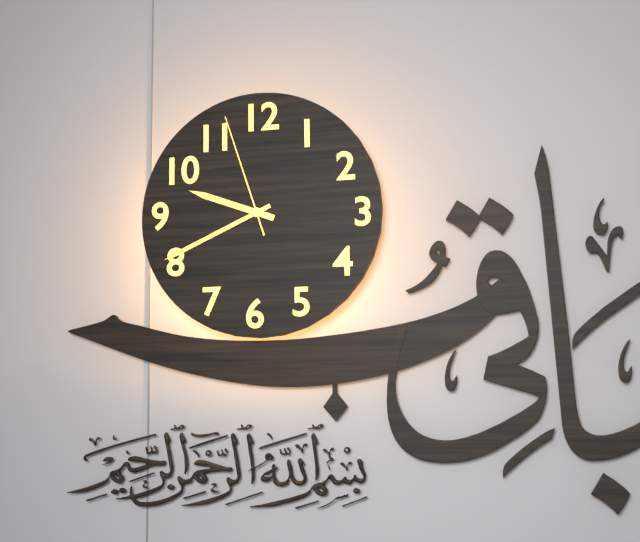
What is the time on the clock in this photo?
9:41:57
